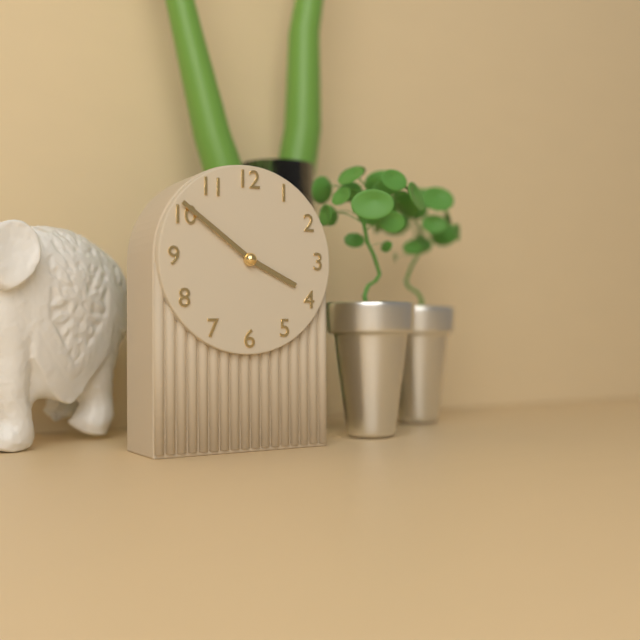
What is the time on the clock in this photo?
3:51
